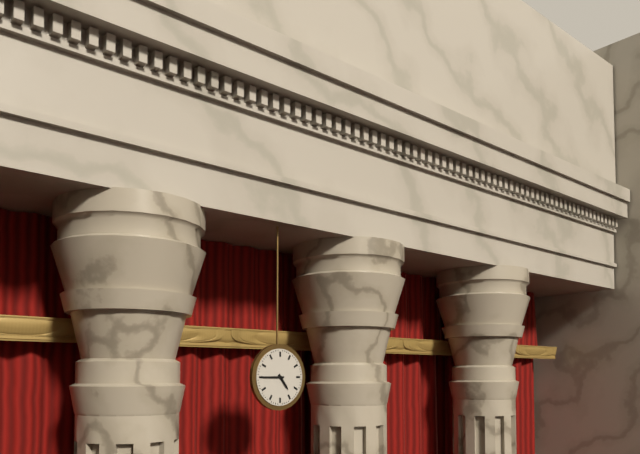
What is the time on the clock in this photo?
4:45
